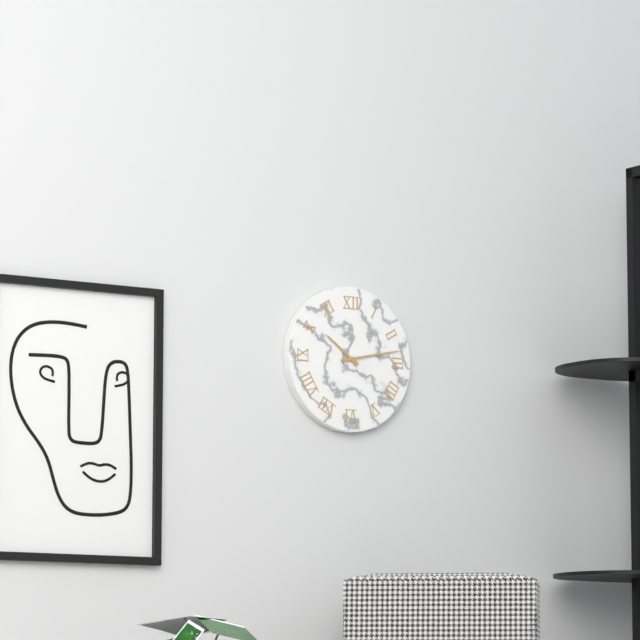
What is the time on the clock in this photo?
10:13
